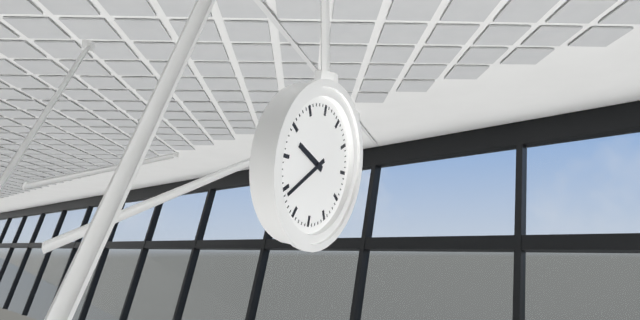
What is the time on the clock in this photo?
9:39
